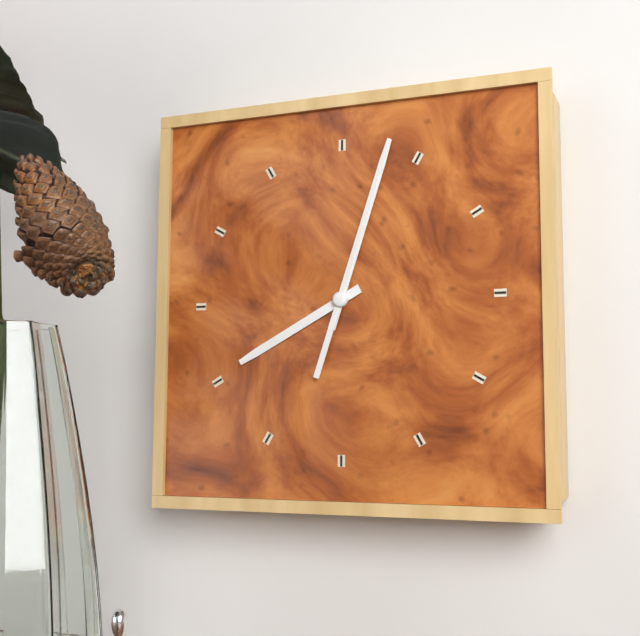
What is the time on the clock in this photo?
8:03:03
